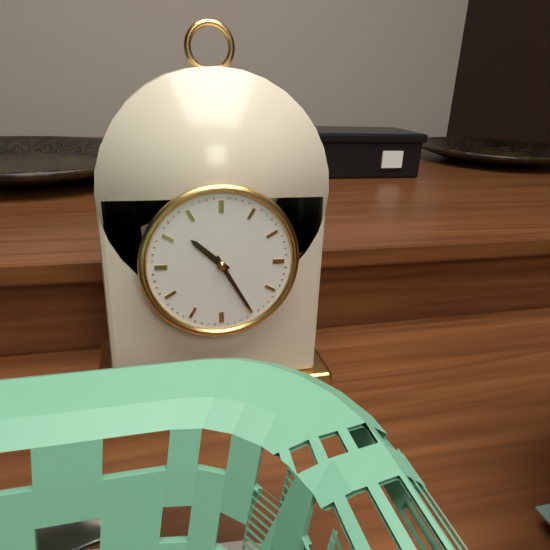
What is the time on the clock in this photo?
10:25
